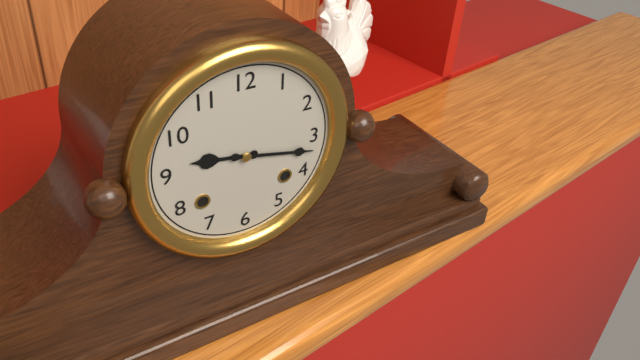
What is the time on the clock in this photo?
9:17
